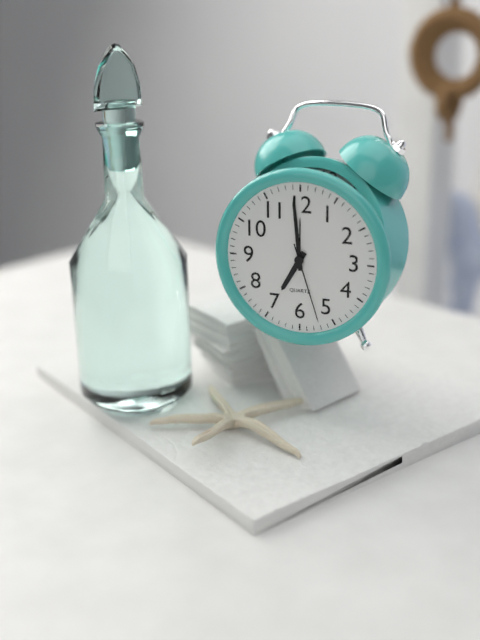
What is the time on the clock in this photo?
6:59:27
